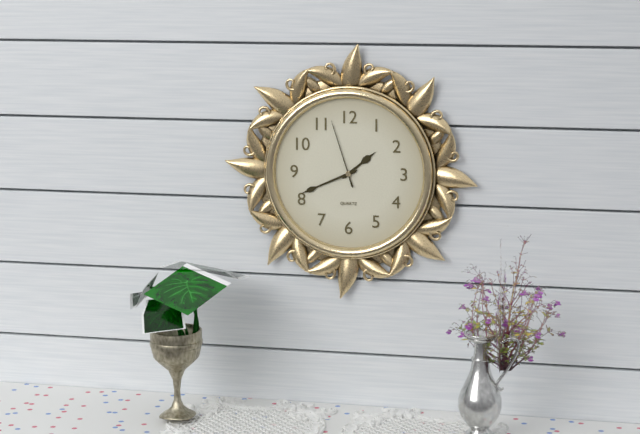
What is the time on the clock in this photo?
1:41:57
